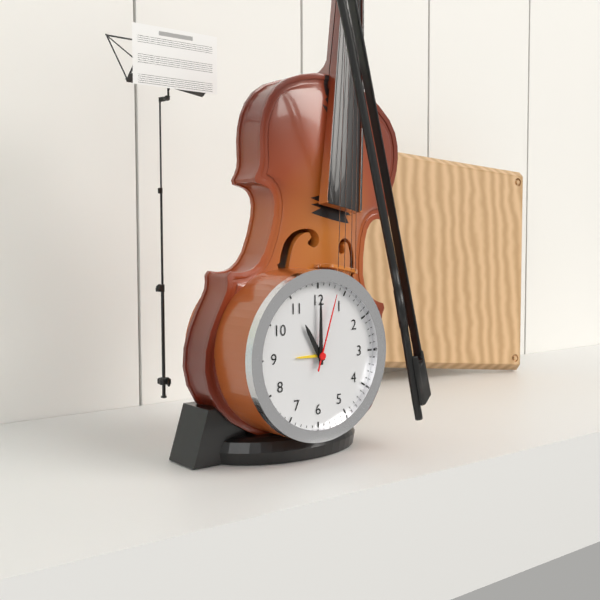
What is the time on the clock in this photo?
11:00:03
